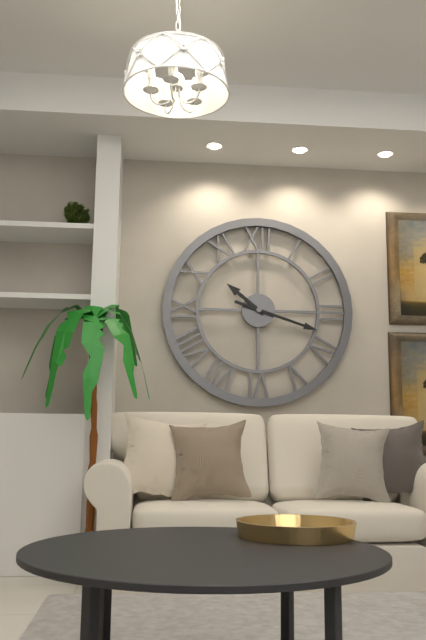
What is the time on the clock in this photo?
10:18
